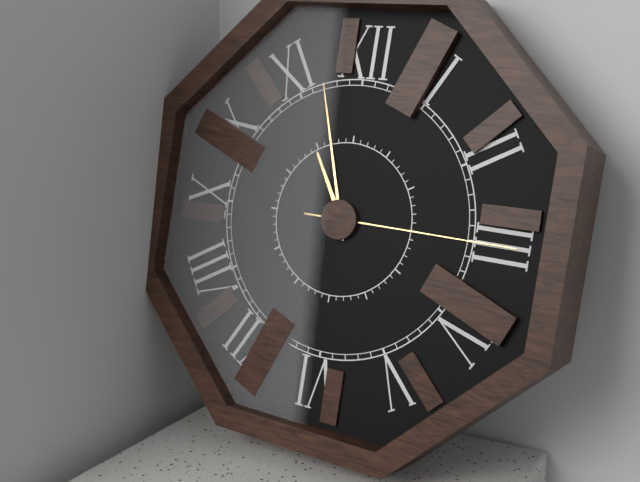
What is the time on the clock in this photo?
10:57:15
